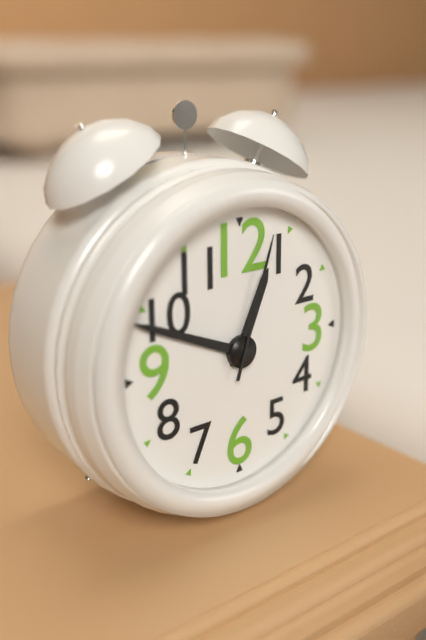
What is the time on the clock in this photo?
12:49:03
